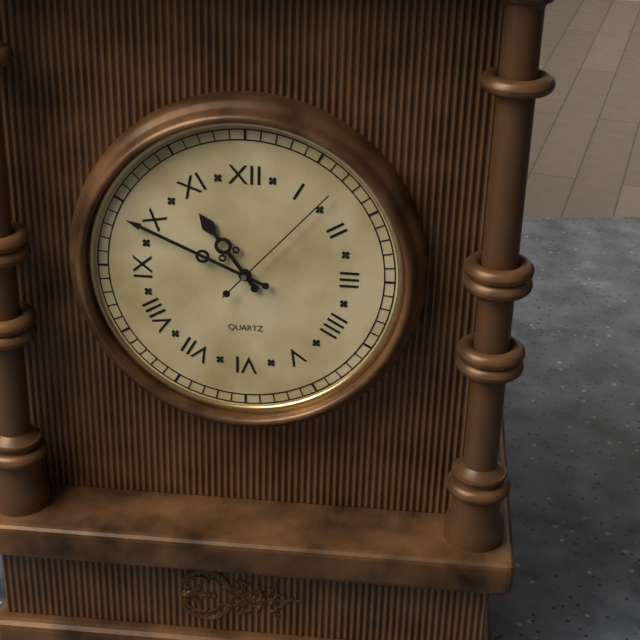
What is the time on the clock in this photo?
10:49:07
